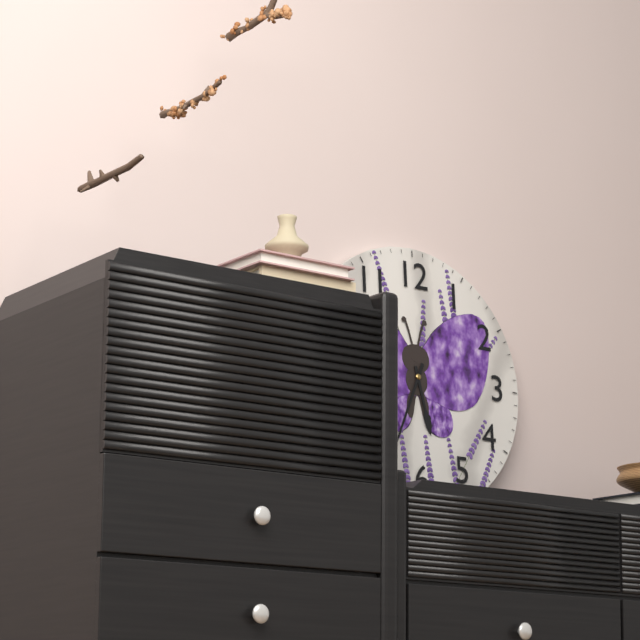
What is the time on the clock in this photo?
5:34
